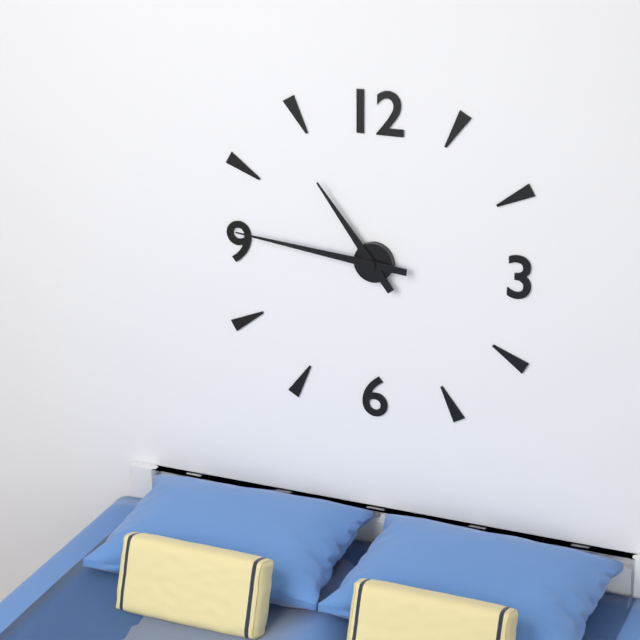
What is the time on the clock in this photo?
10:46
